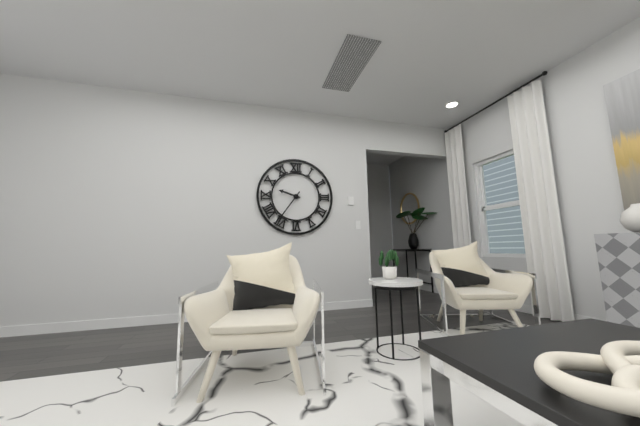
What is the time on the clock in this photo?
9:36
